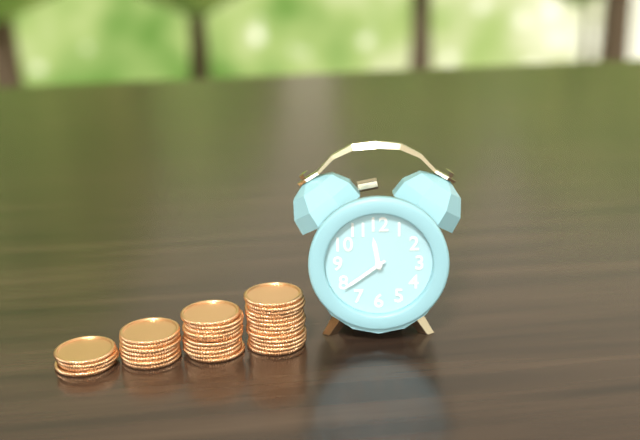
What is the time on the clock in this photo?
11:39
